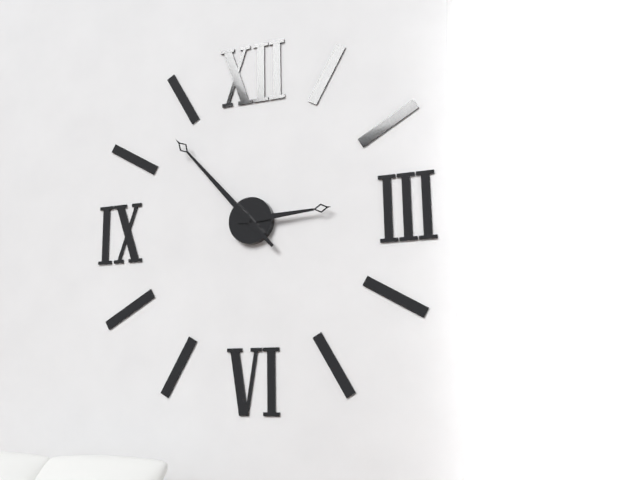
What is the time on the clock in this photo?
2:53
